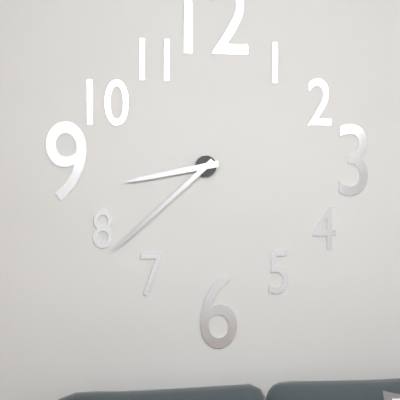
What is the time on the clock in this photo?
8:38
